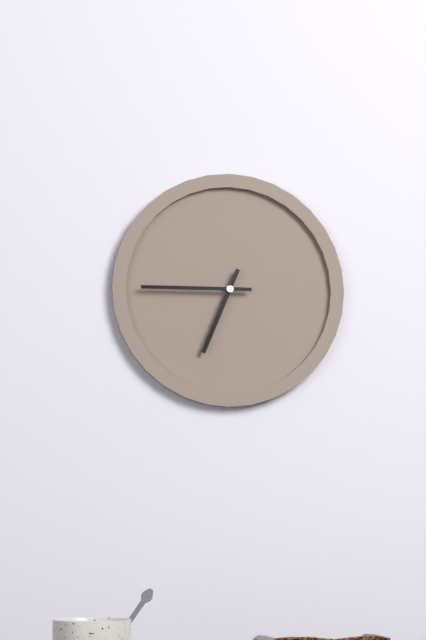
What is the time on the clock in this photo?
6:45
